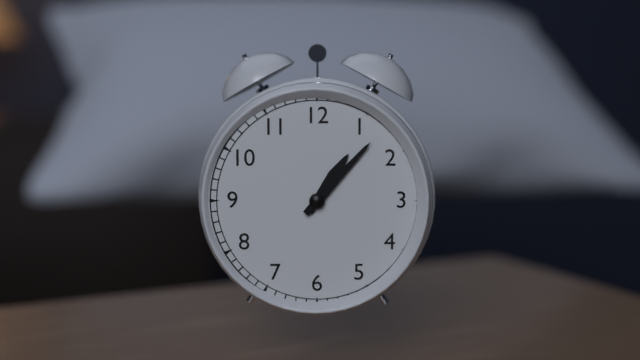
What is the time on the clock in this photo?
1:07
